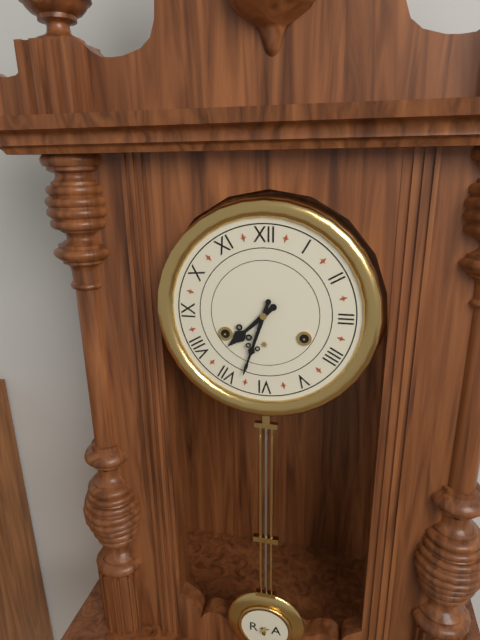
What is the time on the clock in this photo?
7:33
